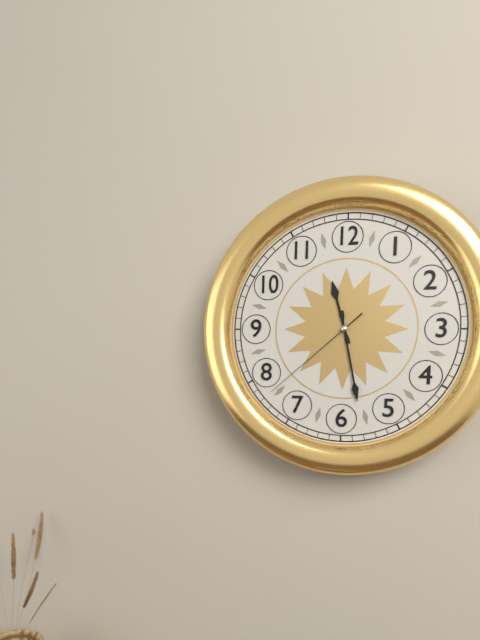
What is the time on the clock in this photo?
11:28:38
